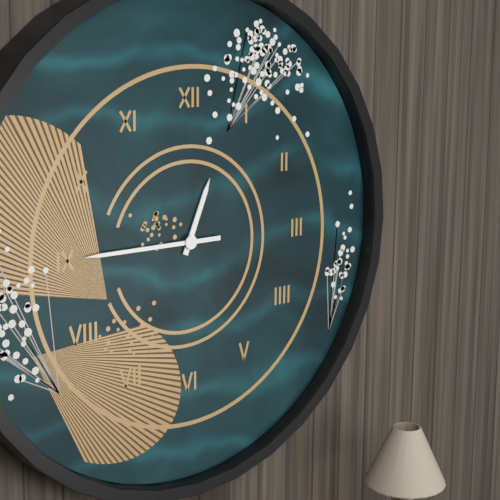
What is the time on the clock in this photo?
12:45
